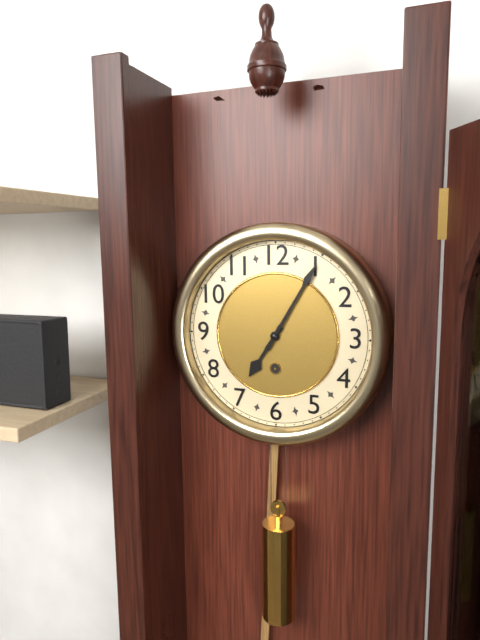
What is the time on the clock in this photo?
7:05
